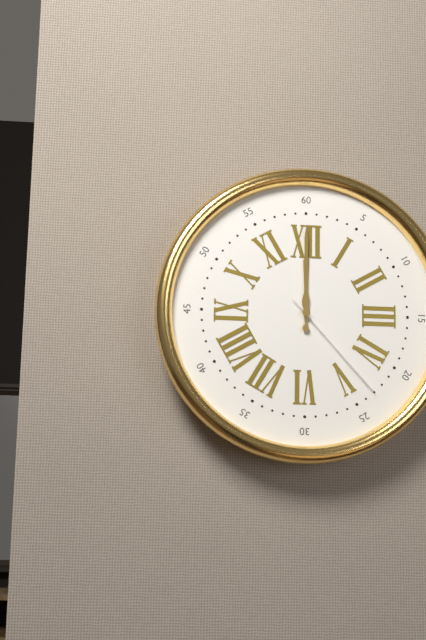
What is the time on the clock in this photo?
12:00:23
